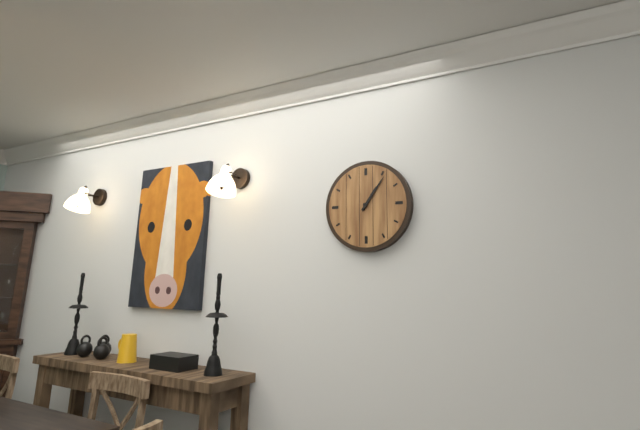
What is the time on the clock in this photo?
1:06
